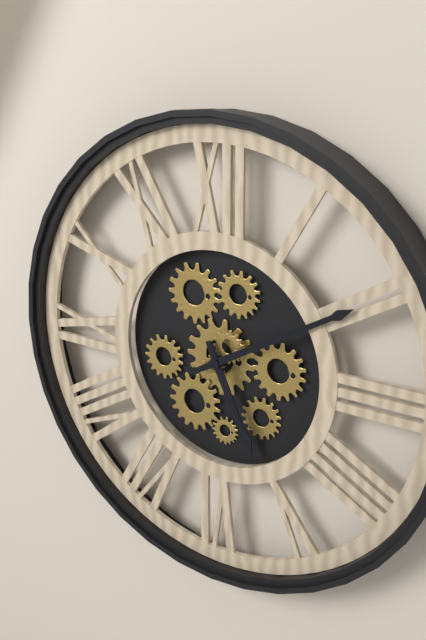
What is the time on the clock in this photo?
5:10
